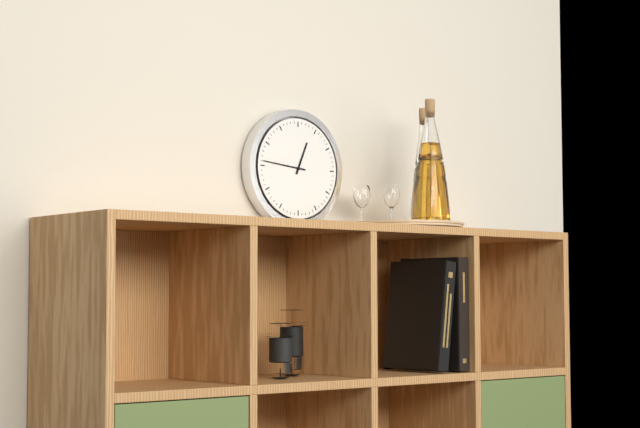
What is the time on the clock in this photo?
12:46
